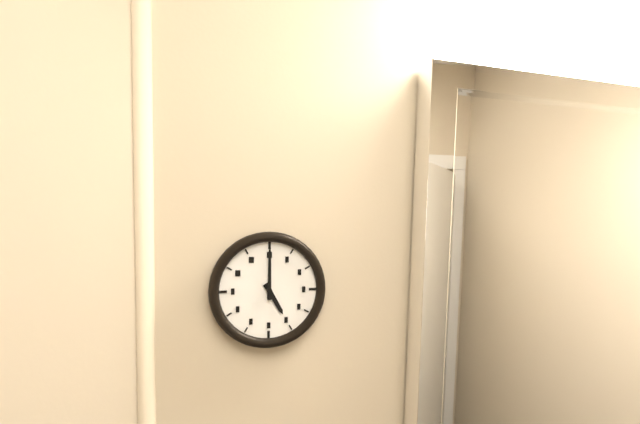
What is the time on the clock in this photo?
5:00
